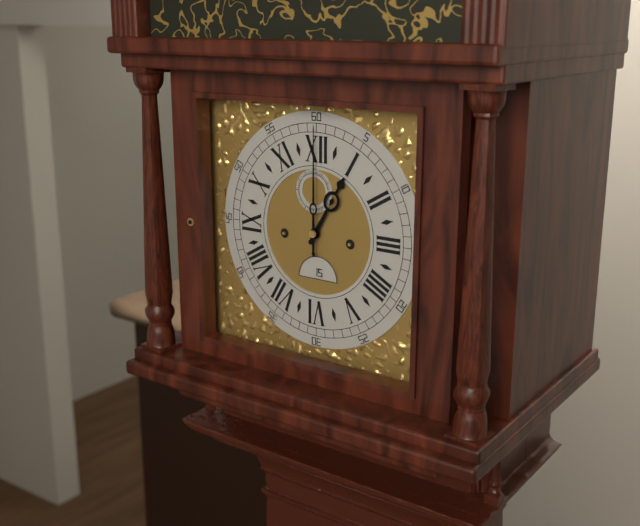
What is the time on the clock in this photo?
1:00
